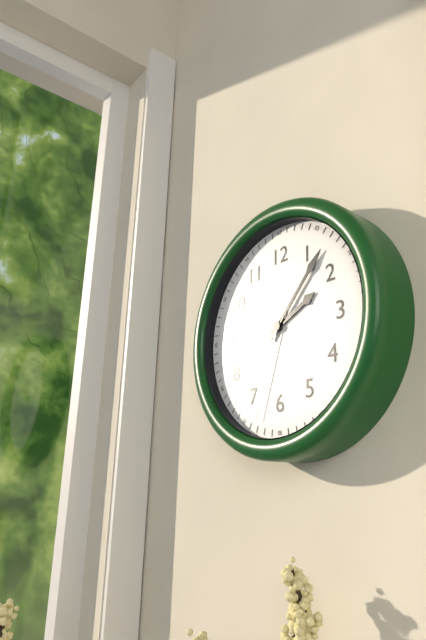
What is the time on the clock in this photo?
2:07:33
